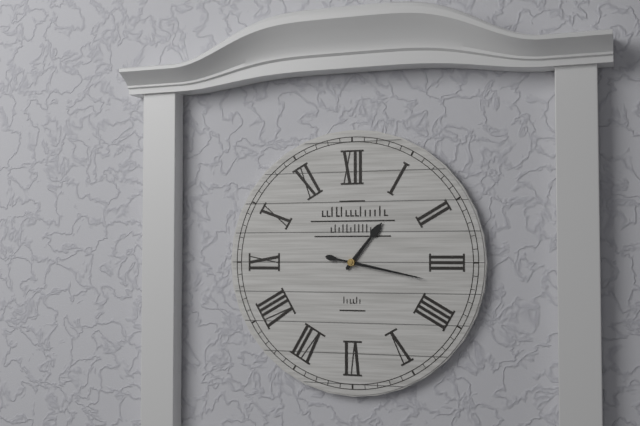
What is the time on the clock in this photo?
1:17
